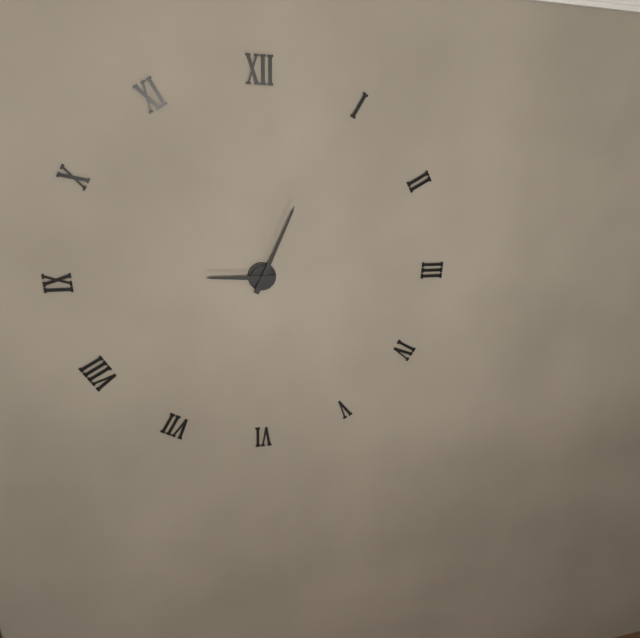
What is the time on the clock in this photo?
9:04
